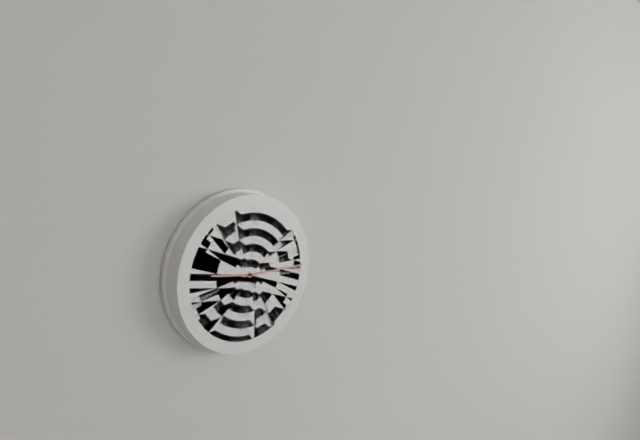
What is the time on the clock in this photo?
9:15
